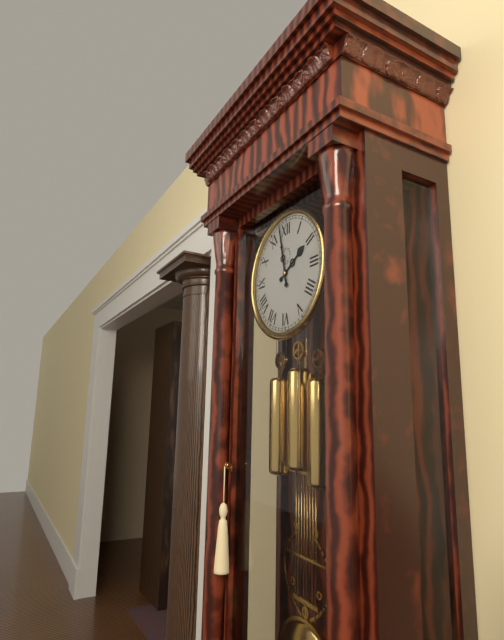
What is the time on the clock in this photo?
1:58
